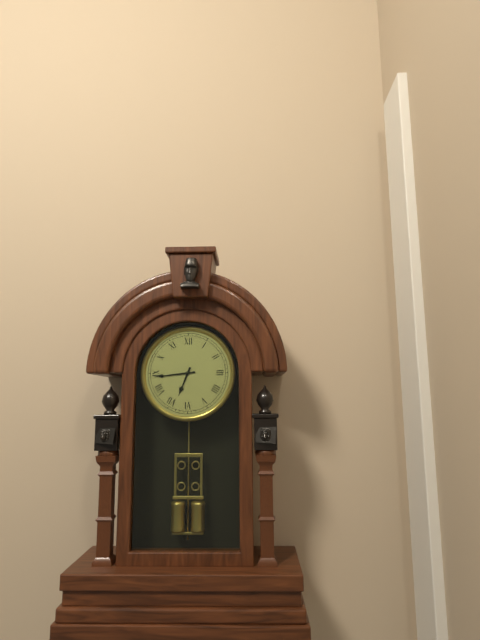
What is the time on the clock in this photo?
6:44
